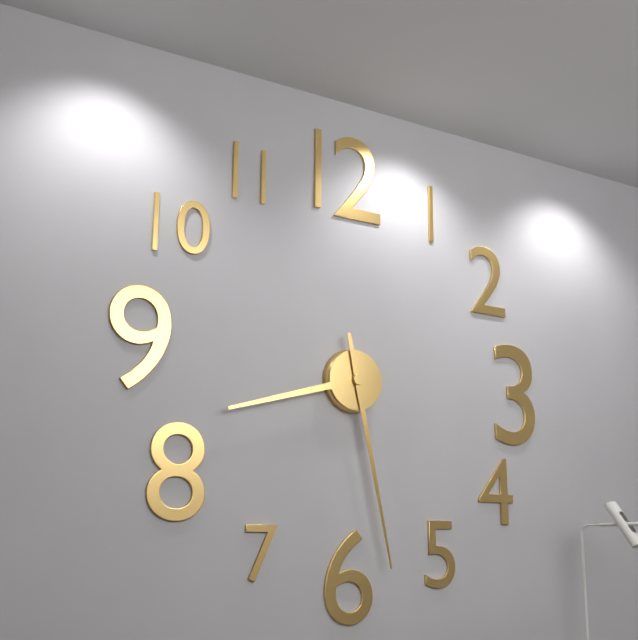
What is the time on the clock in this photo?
8:28
